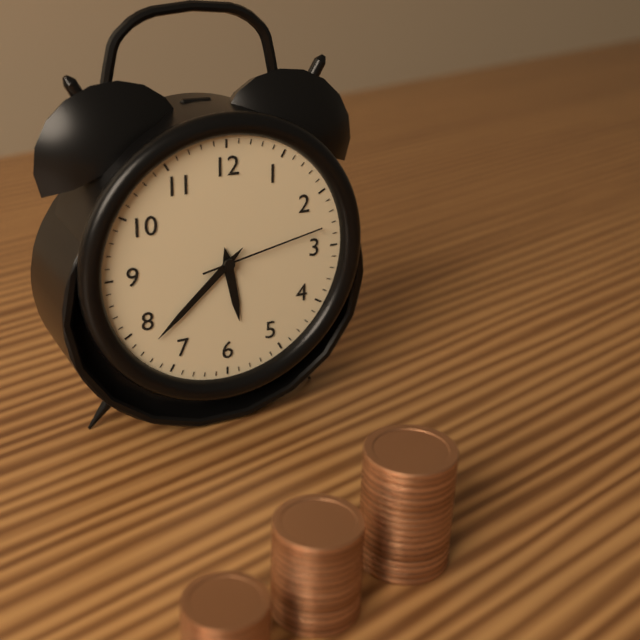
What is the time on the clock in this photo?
5:38:13
